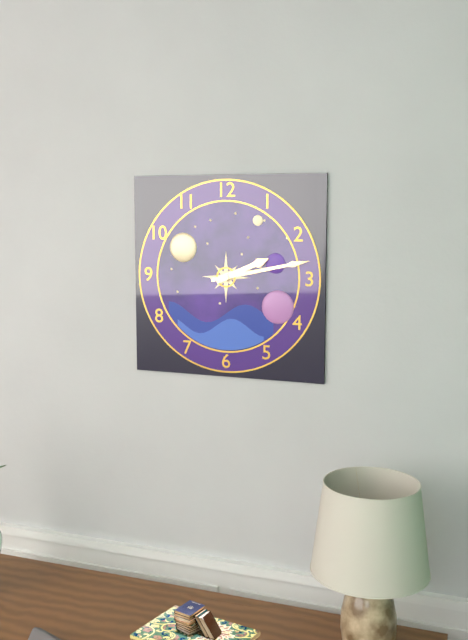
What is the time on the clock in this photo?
2:13
